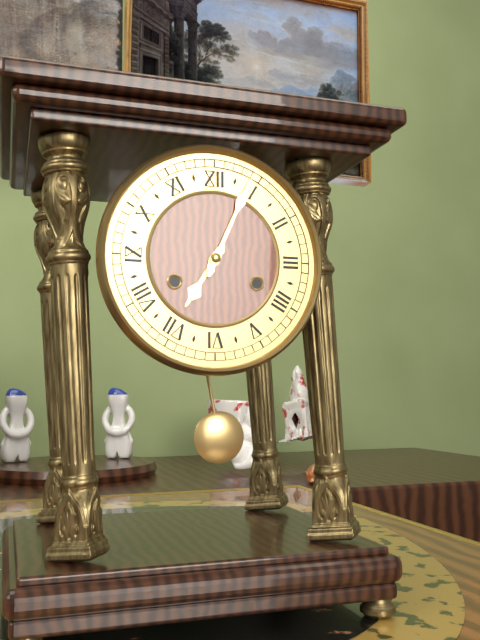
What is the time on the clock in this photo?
7:04
